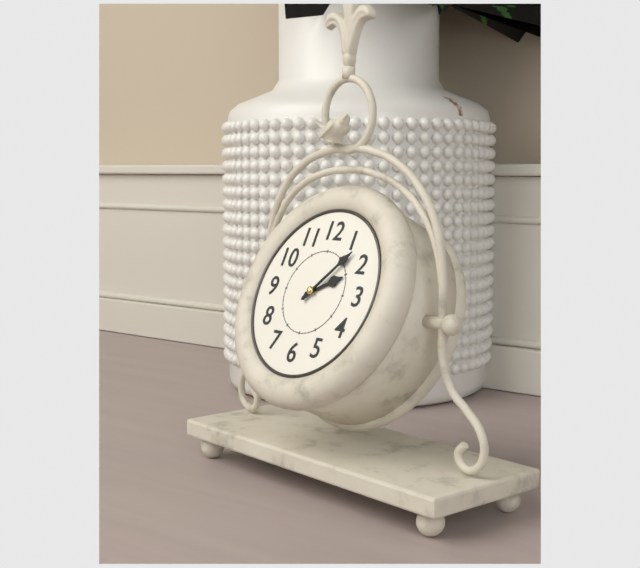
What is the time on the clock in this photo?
2:07
